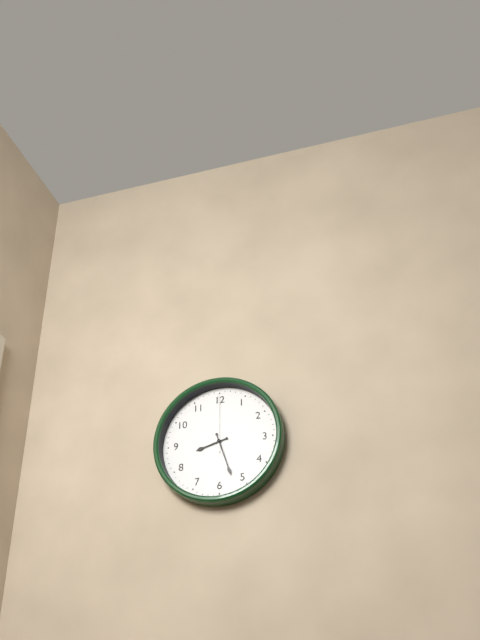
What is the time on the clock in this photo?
8:27:00
